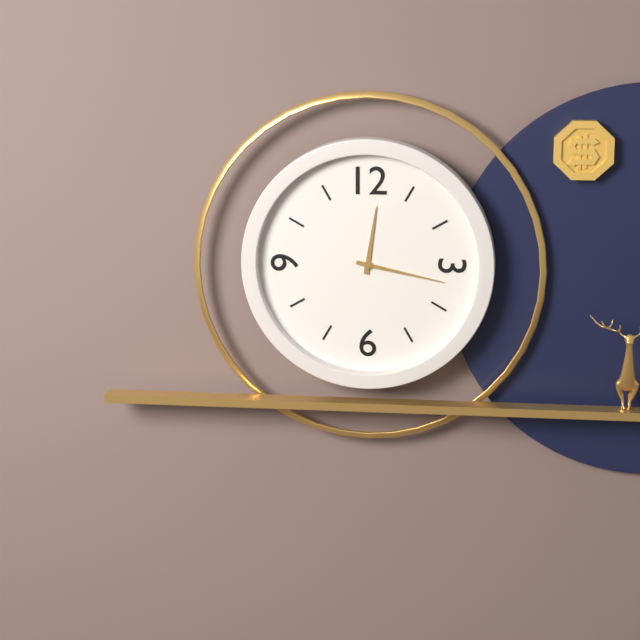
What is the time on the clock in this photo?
12:17
